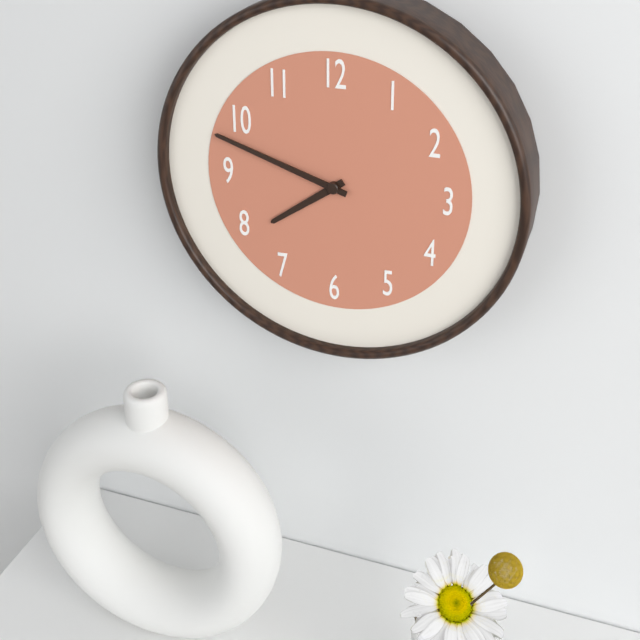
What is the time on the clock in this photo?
7:48
